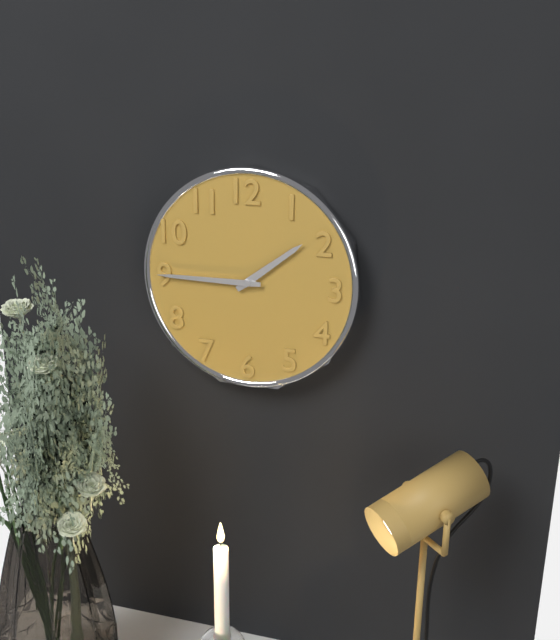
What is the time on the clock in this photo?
1:45
